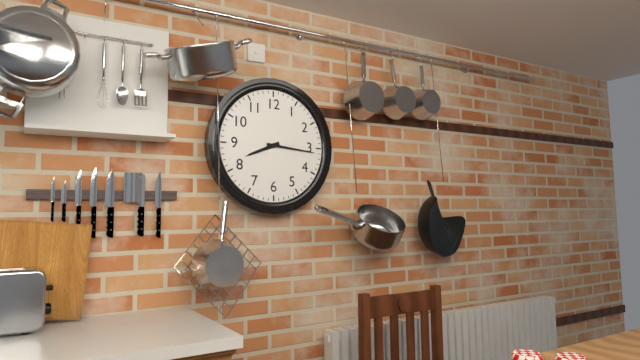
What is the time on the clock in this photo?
8:16
